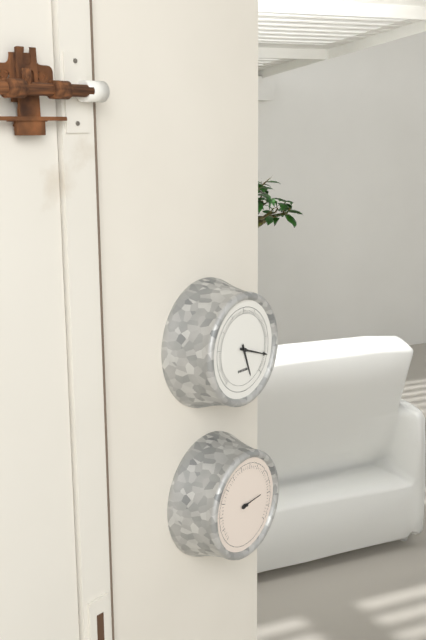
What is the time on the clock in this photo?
5:18
